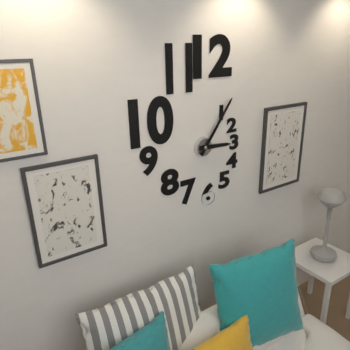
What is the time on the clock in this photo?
3:06
